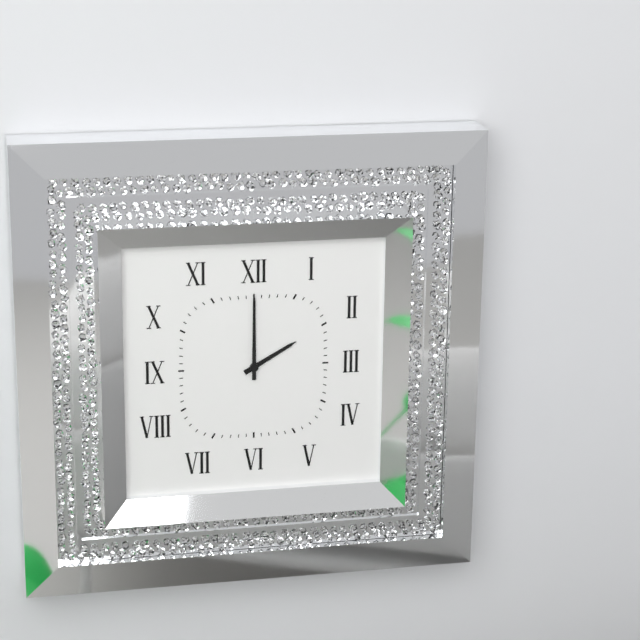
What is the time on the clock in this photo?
2:00
